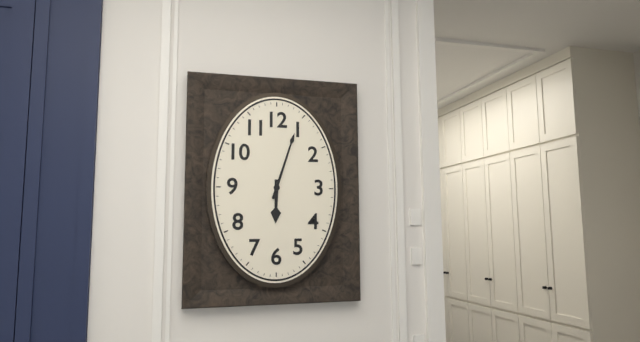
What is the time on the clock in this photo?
6:03
